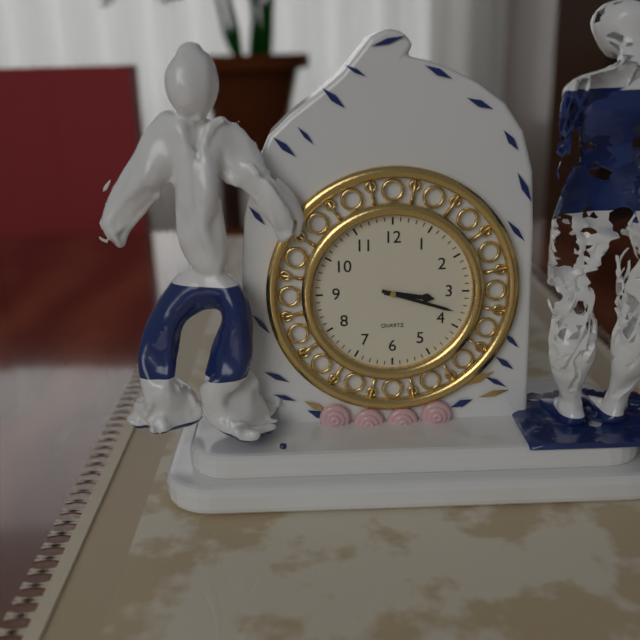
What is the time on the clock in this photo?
3:18
